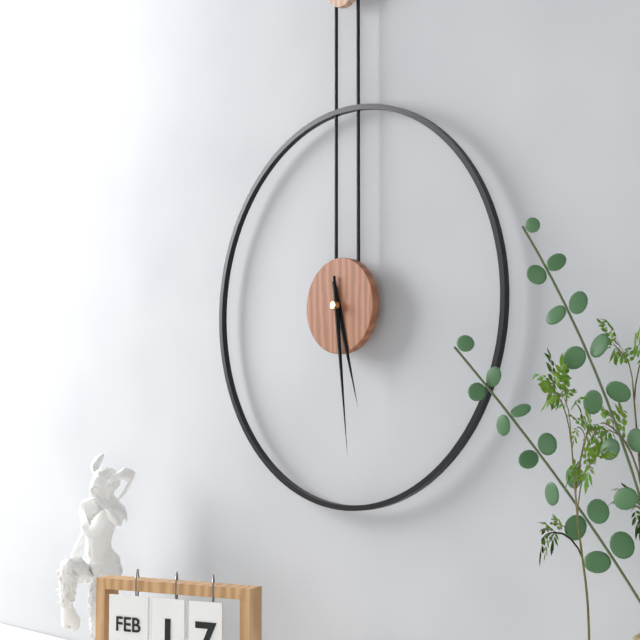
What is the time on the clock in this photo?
5:29
